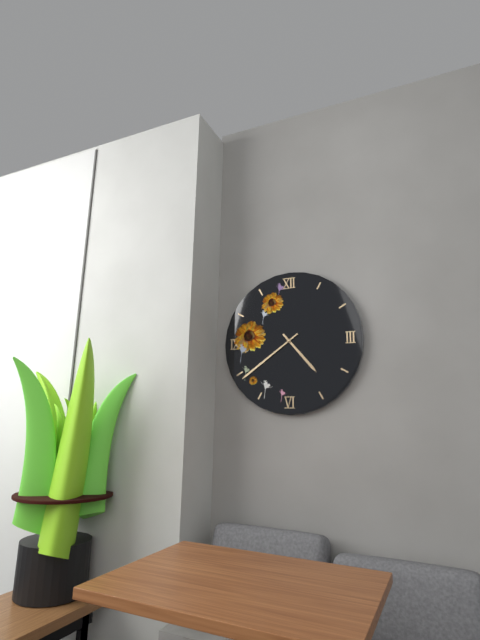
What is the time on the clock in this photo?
4:39
